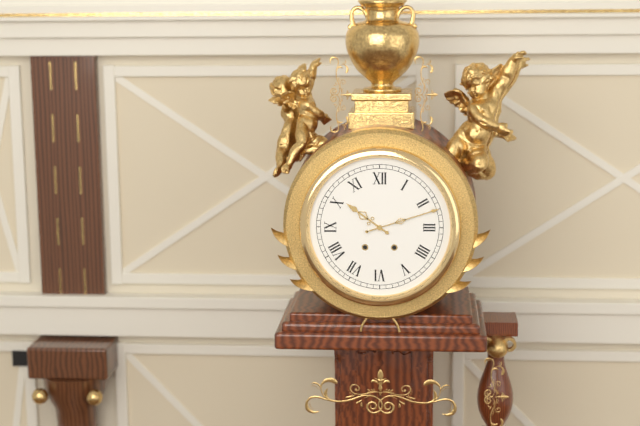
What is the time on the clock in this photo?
10:12
